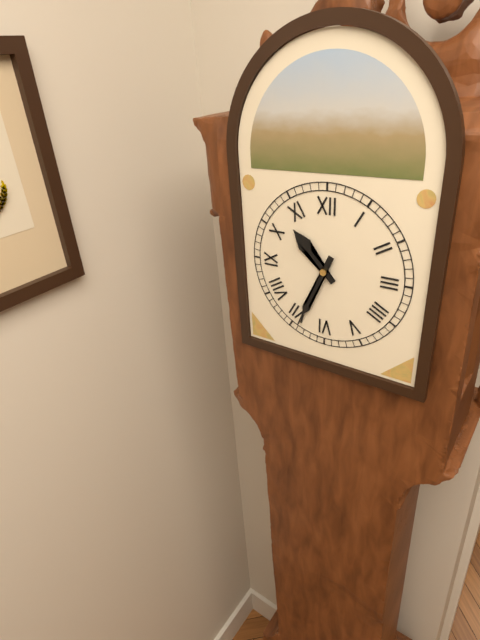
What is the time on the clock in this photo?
10:34
